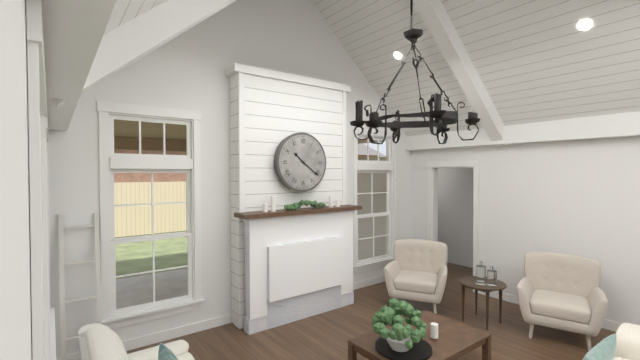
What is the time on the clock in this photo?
10:21
